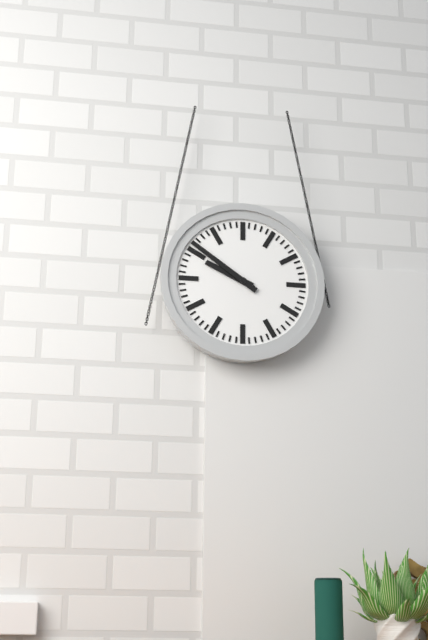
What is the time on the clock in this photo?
9:51
